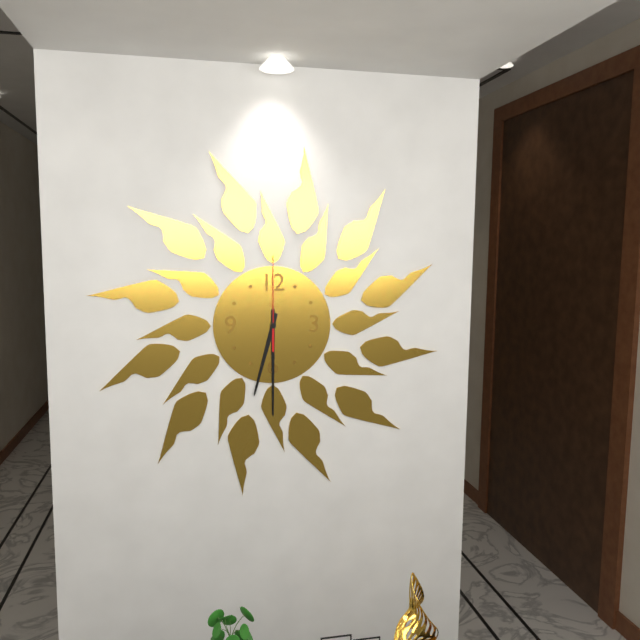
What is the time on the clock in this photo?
6:30:00
